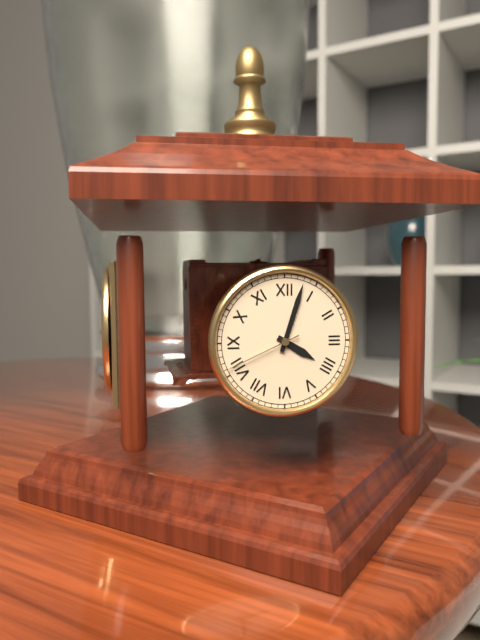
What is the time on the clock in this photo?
4:03:41
